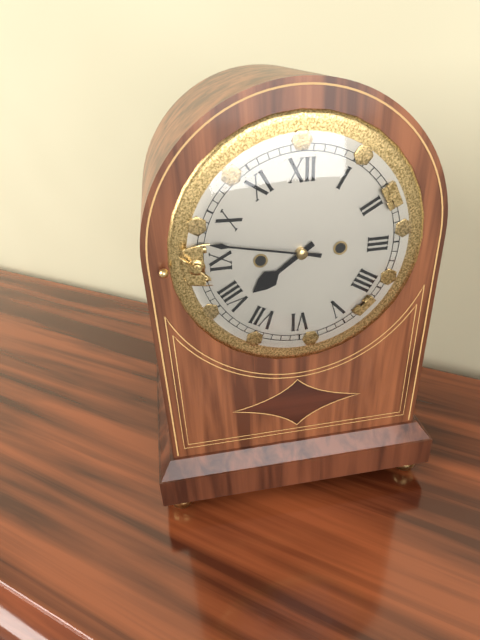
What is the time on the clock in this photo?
7:47
